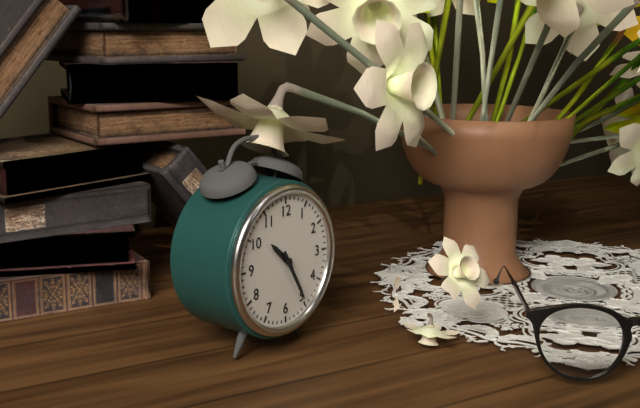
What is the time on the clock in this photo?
10:25
